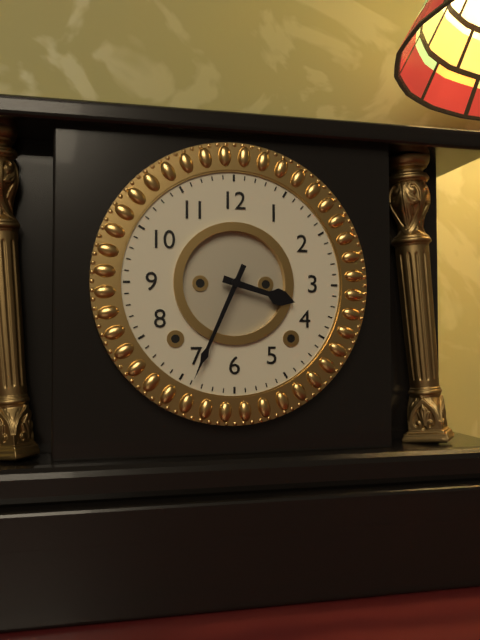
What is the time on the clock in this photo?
3:34
